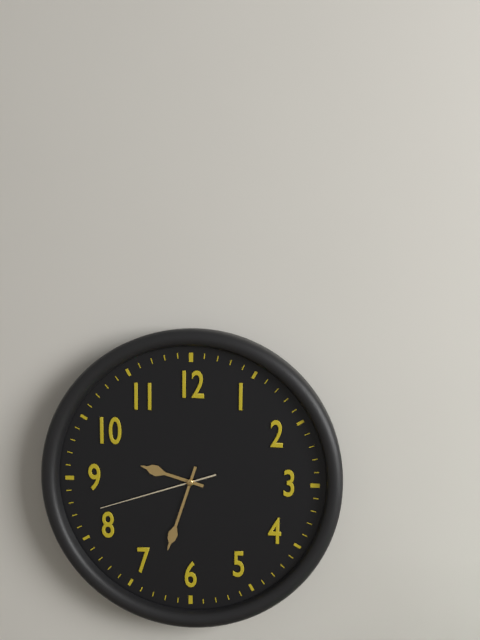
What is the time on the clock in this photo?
9:33:42
